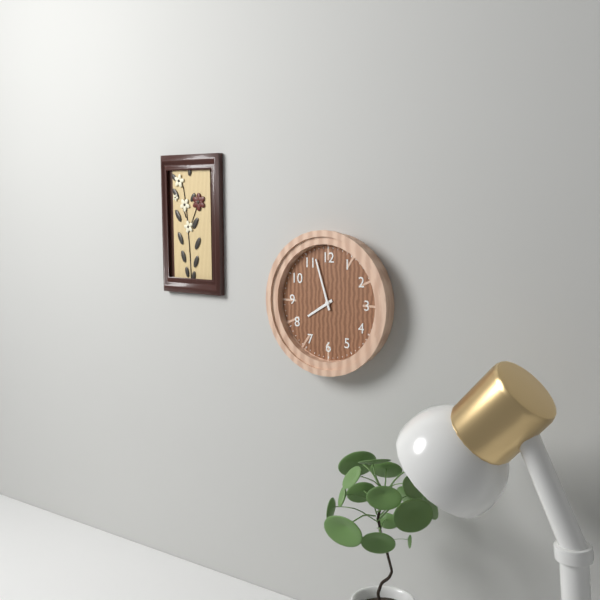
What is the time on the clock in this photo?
7:57
